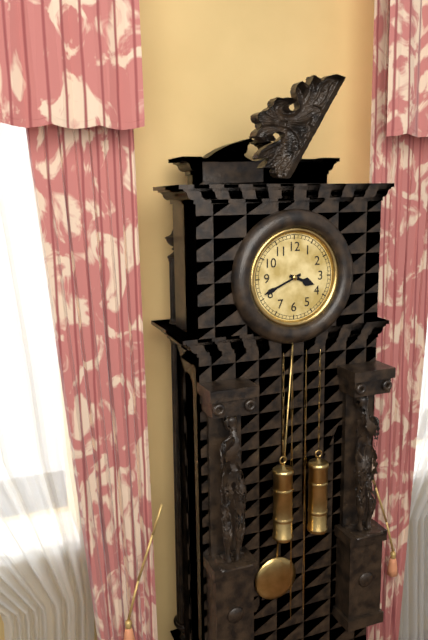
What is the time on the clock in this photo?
3:41
